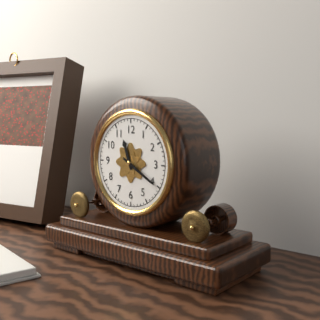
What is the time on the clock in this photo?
11:20
